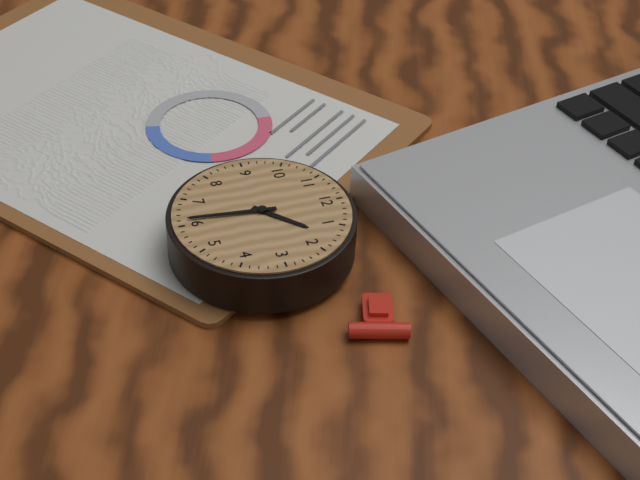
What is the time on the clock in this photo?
1:31
